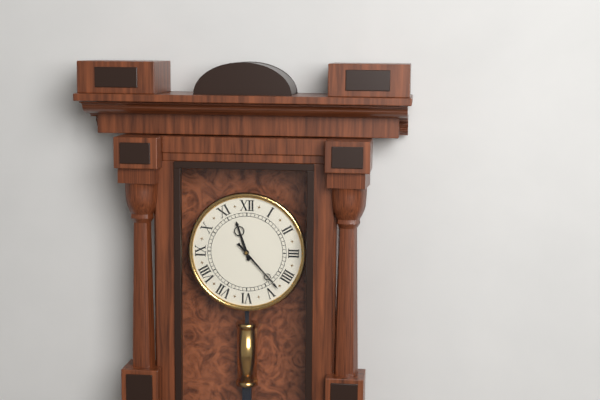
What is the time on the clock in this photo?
11:23
